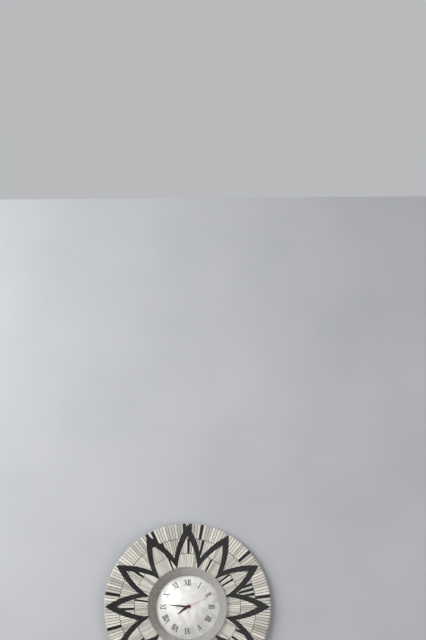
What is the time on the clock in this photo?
7:46
